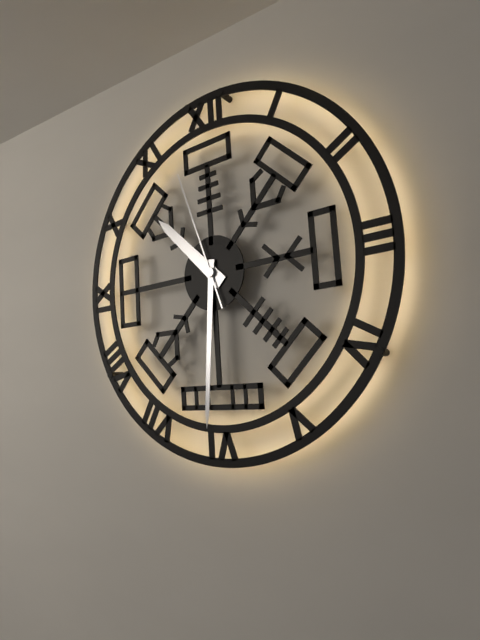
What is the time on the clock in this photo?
10:31:57
